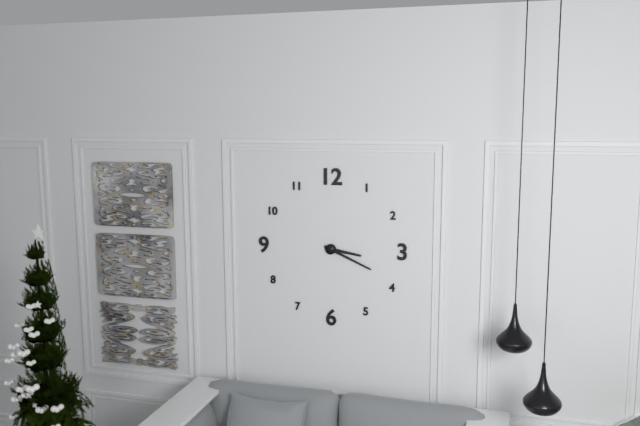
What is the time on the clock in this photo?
3:19
